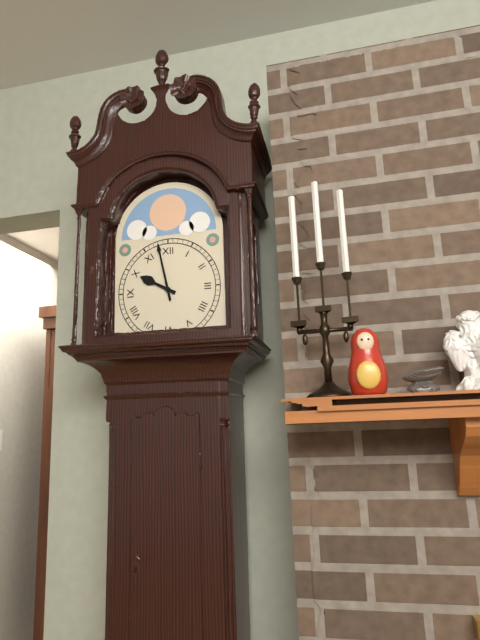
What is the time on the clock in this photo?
9:58
